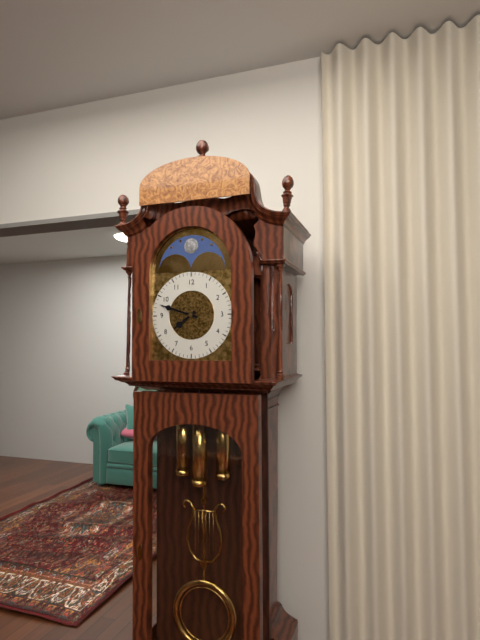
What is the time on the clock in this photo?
7:48
